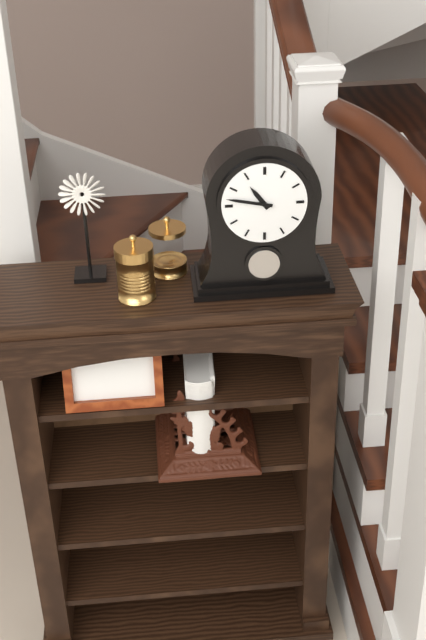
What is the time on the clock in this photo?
10:47
